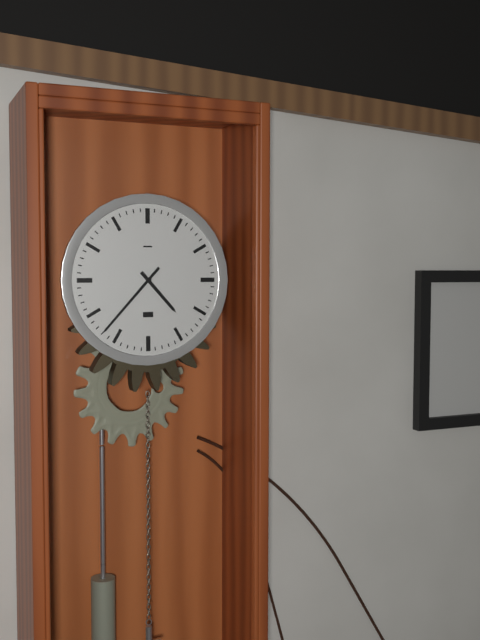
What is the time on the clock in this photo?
4:37
